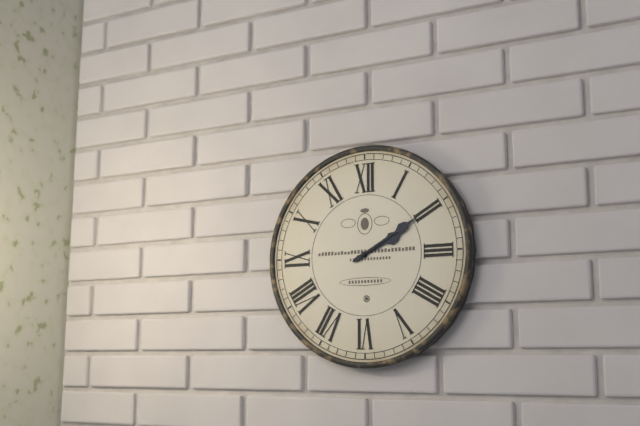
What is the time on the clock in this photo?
2:10
